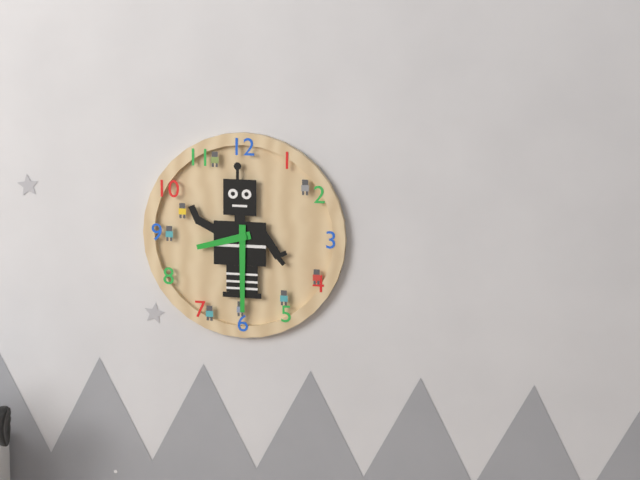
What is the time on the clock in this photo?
8:30
